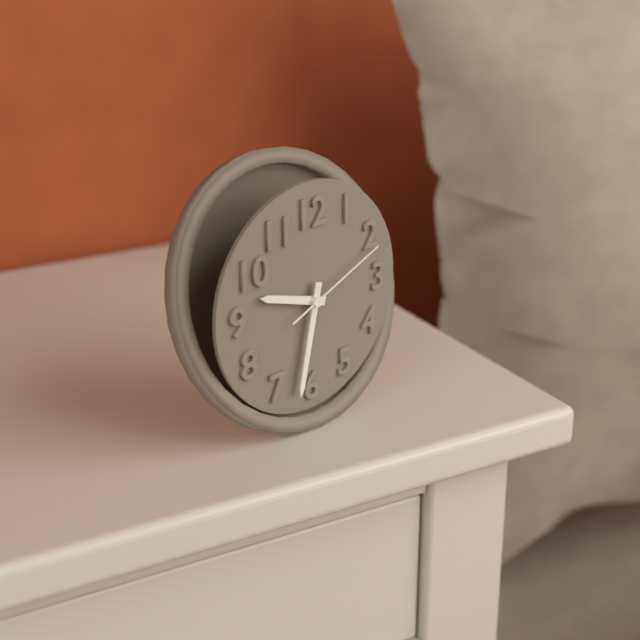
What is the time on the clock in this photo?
9:32:11
